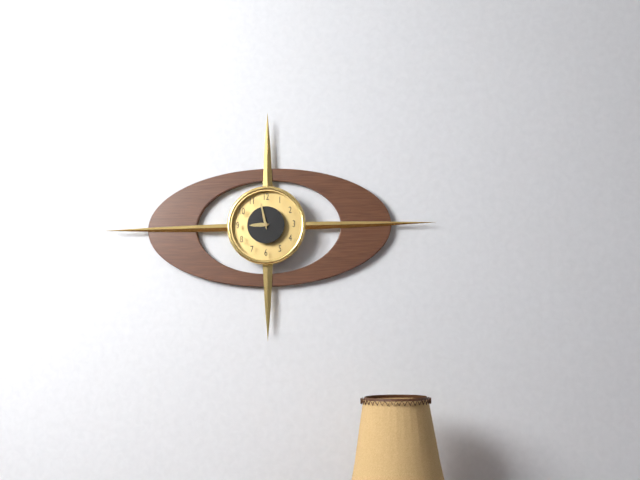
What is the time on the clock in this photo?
8:58
